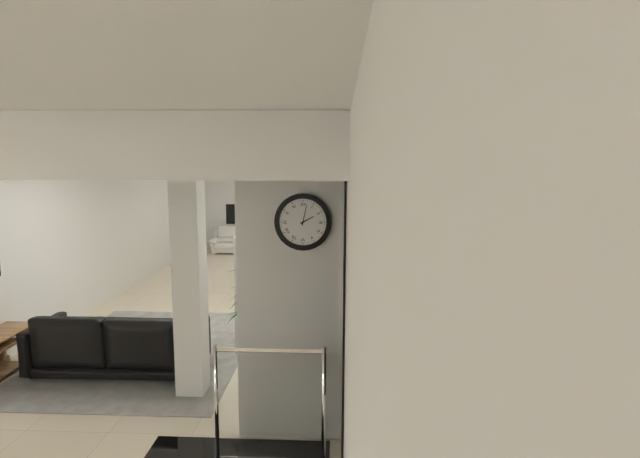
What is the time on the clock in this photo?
2:02
